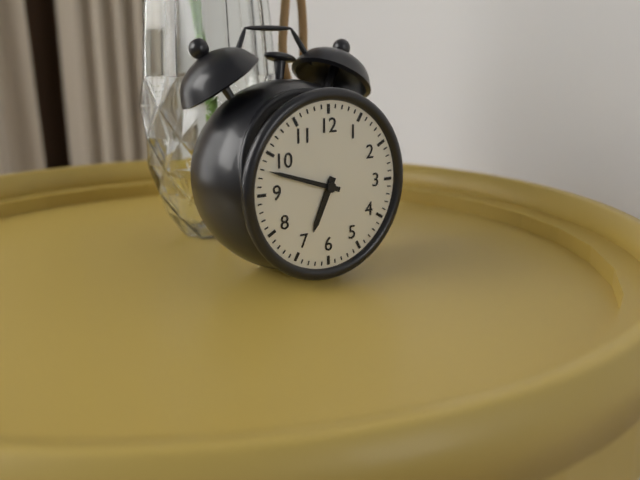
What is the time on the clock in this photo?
6:48
